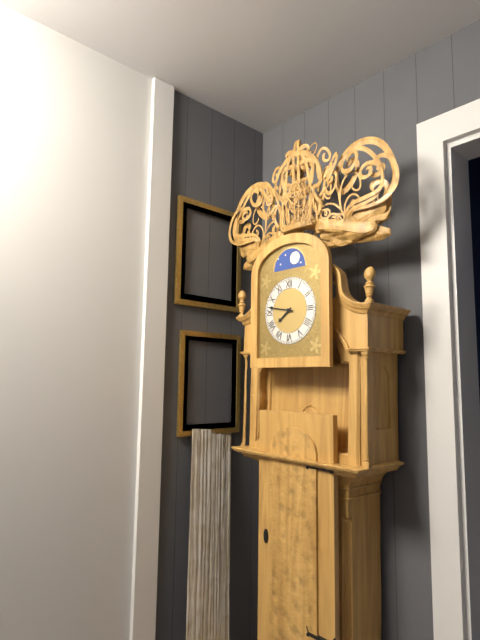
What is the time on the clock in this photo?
7:47
